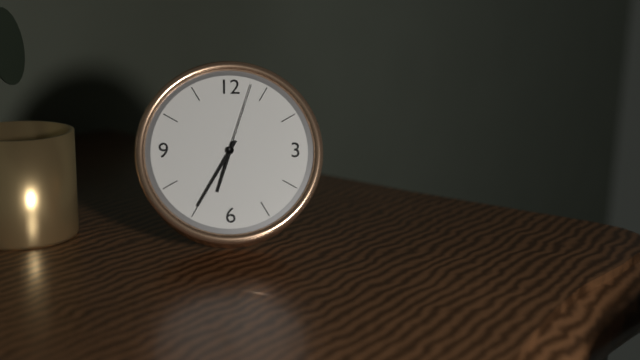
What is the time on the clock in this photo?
6:35:03
